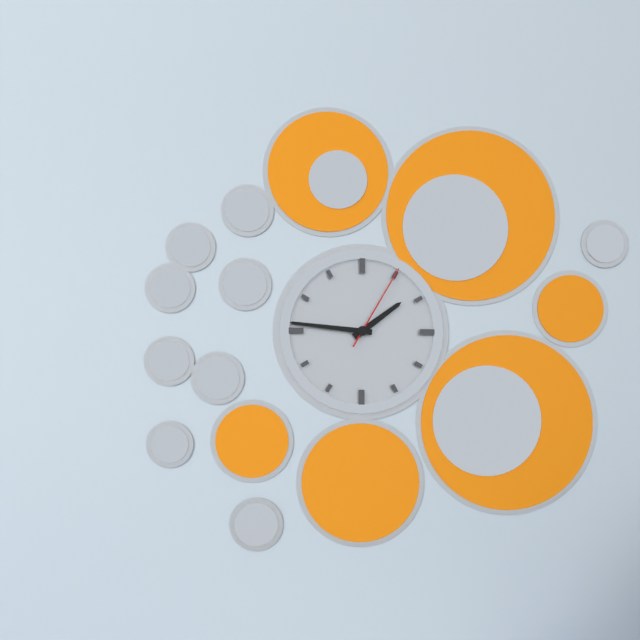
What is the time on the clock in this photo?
1:46:05
